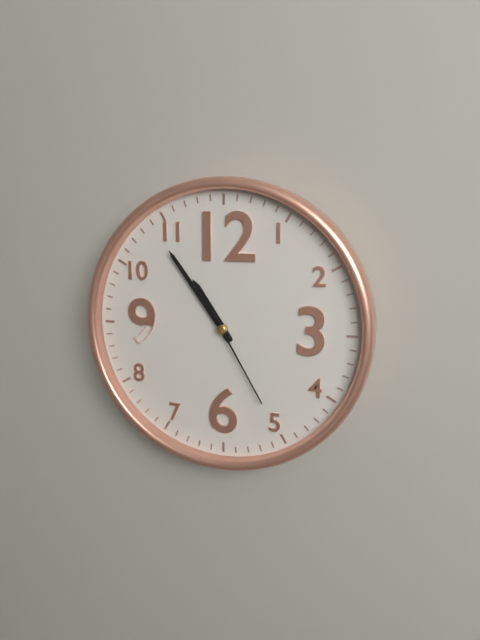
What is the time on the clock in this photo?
10:54:25
